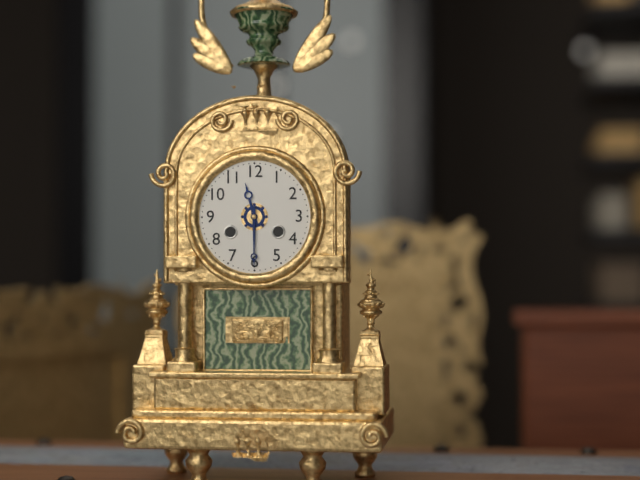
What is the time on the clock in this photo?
11:30
